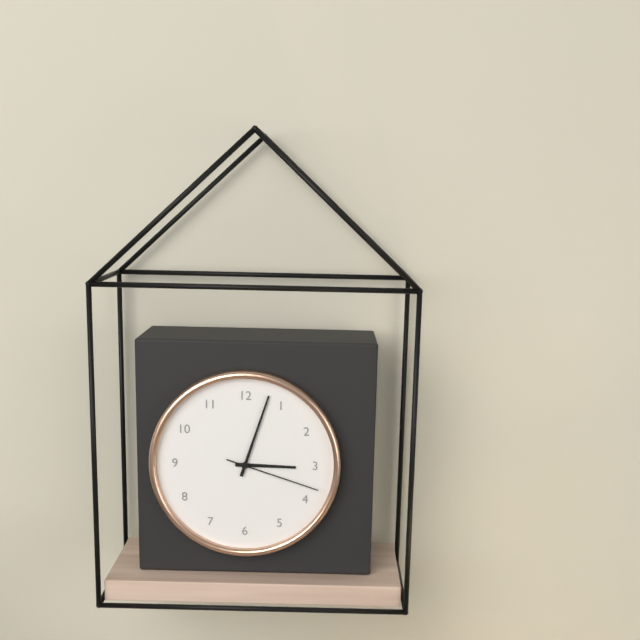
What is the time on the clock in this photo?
3:03:18
